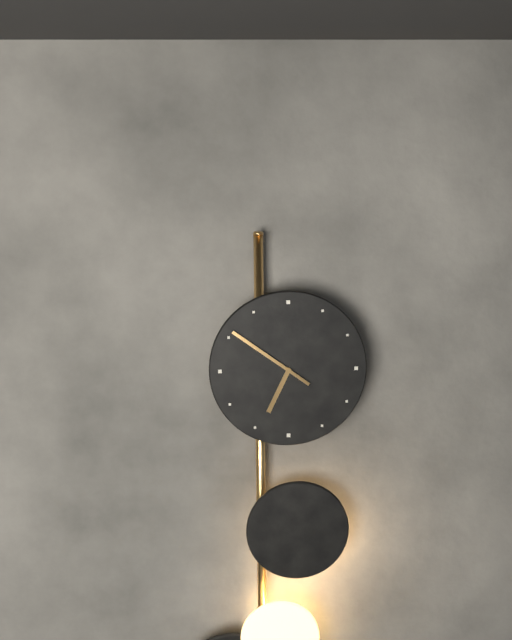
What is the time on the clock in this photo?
6:51
